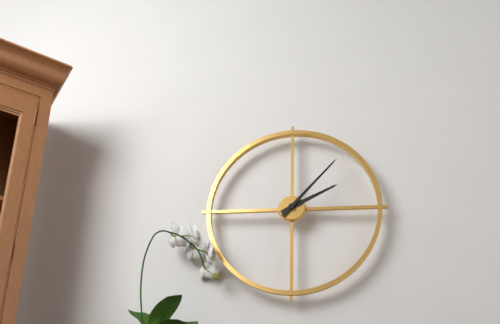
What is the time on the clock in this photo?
2:07
